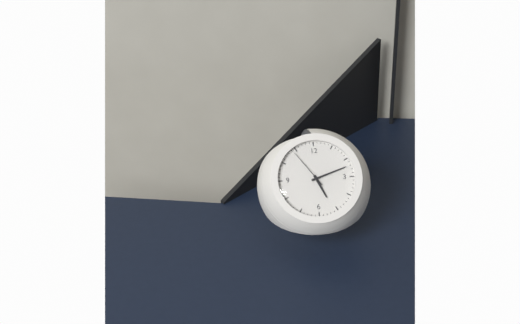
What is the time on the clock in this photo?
5:12
